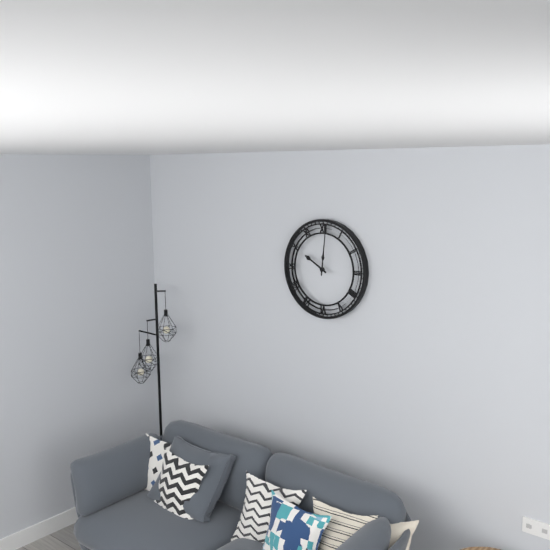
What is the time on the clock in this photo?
10:01
